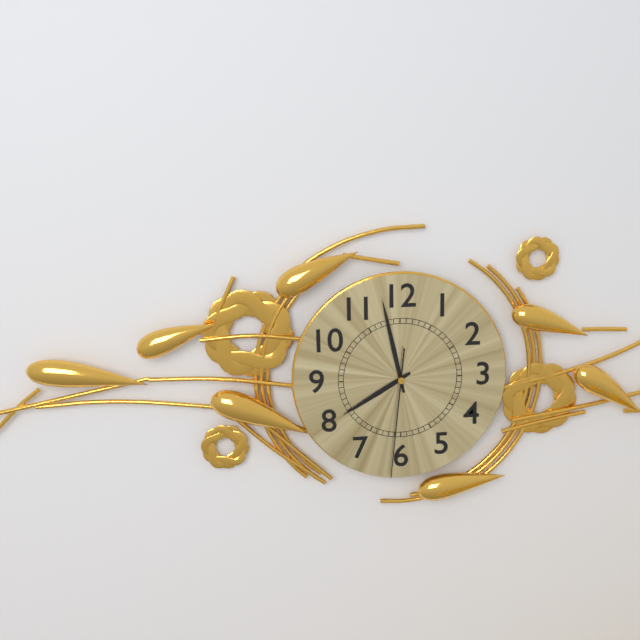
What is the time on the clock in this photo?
7:58:31
